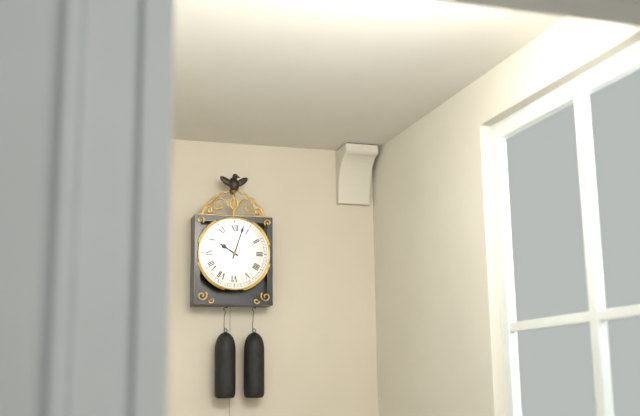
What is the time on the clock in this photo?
10:03
